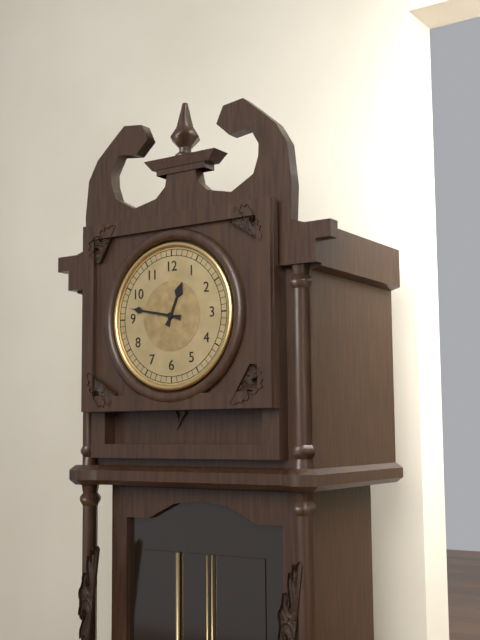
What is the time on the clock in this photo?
12:47
